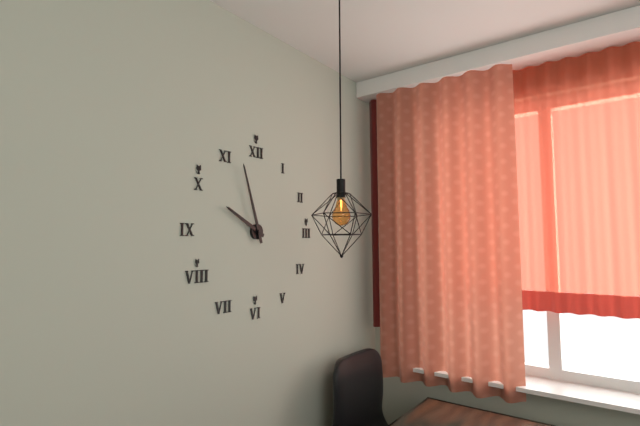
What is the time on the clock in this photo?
9:57
